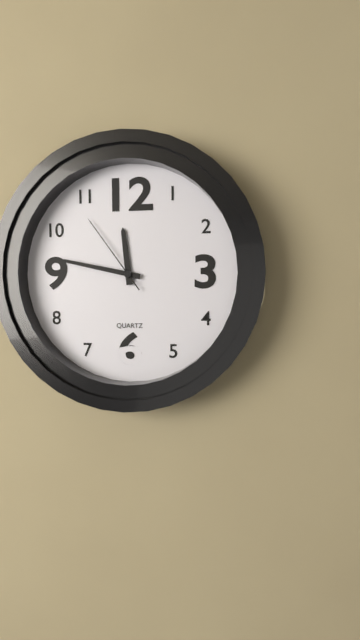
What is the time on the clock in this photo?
11:47:54
